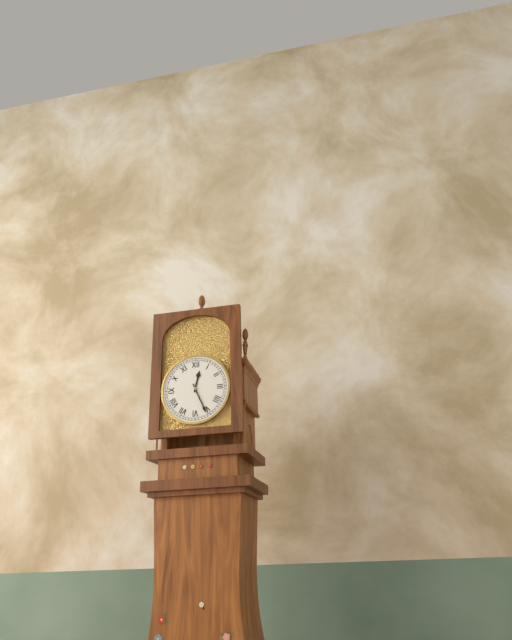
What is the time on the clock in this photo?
12:26
